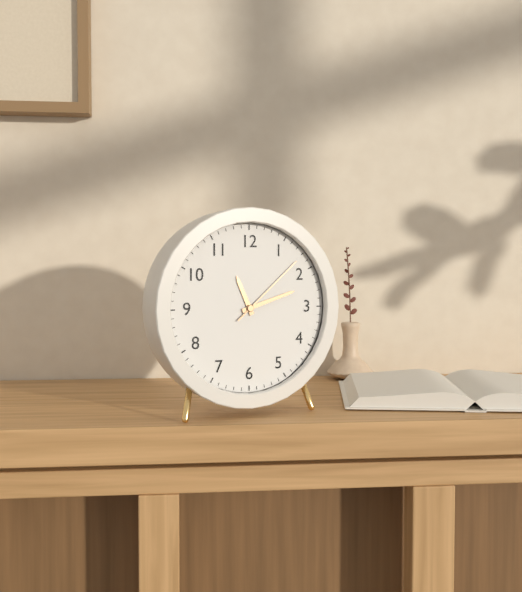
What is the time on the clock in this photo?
11:12:08
